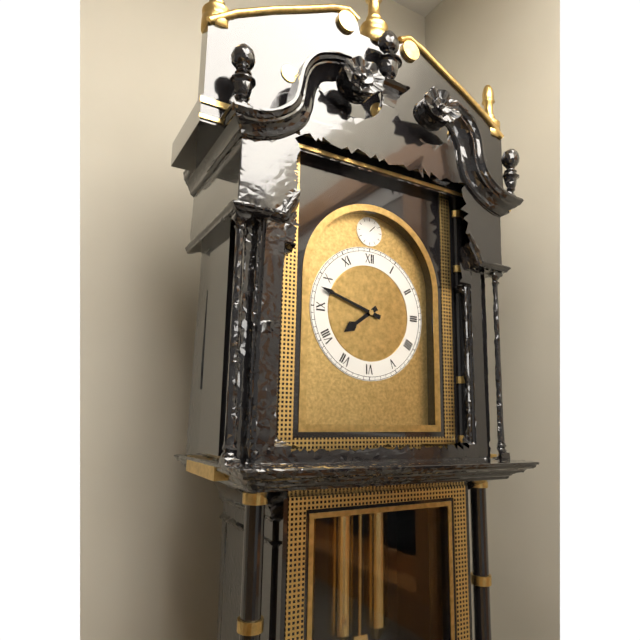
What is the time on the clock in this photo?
7:48
